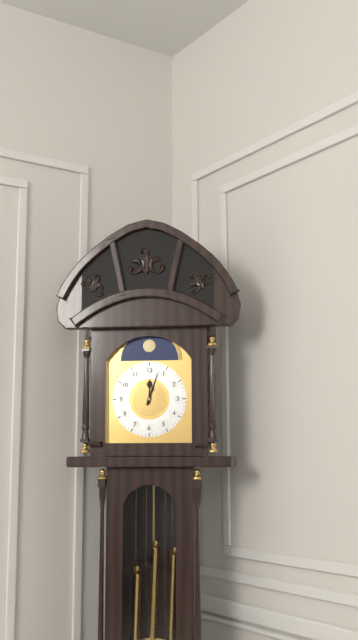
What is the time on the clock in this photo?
12:03
